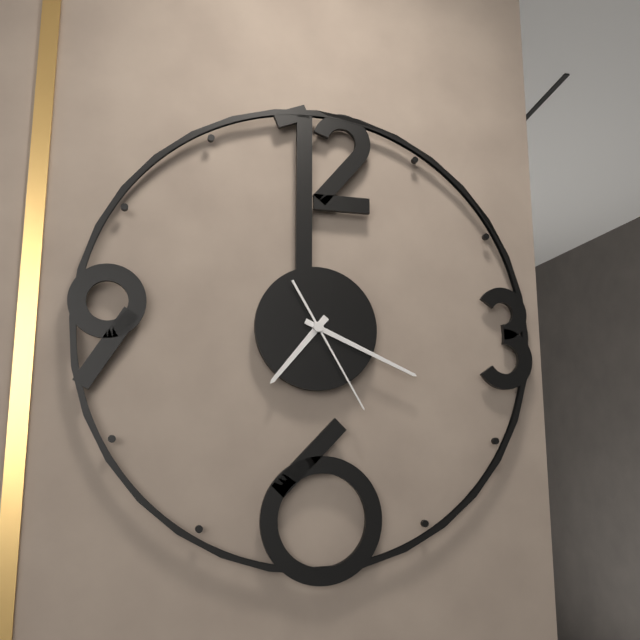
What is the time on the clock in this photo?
7:19:25
